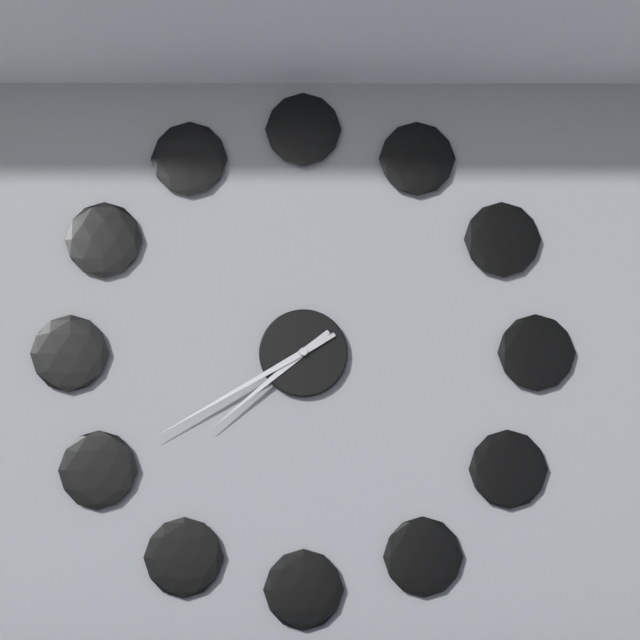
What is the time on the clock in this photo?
7:40
